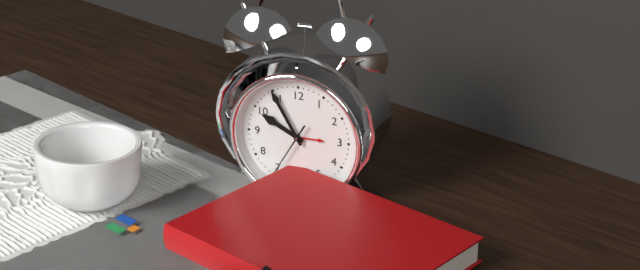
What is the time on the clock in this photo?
9:55:35
